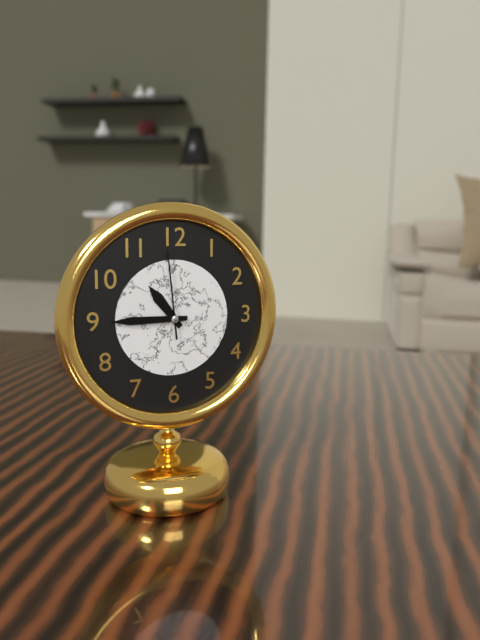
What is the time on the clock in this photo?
10:45:59
